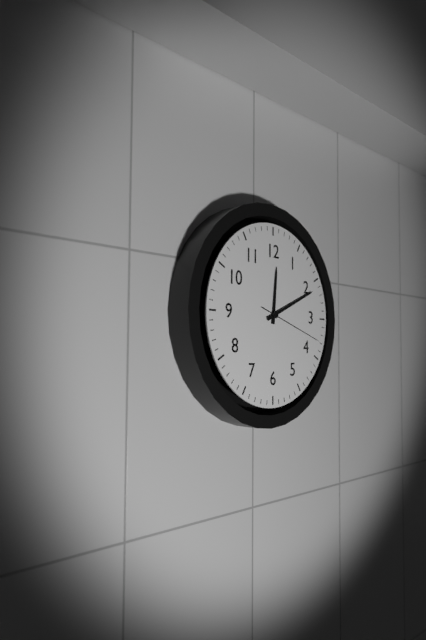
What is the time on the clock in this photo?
12:11:18
